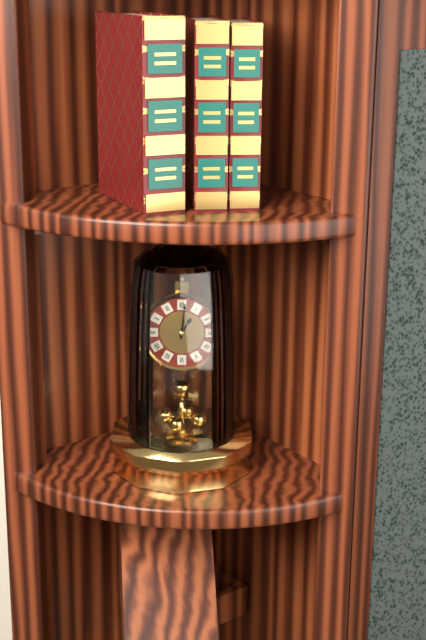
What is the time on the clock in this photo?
1:01
